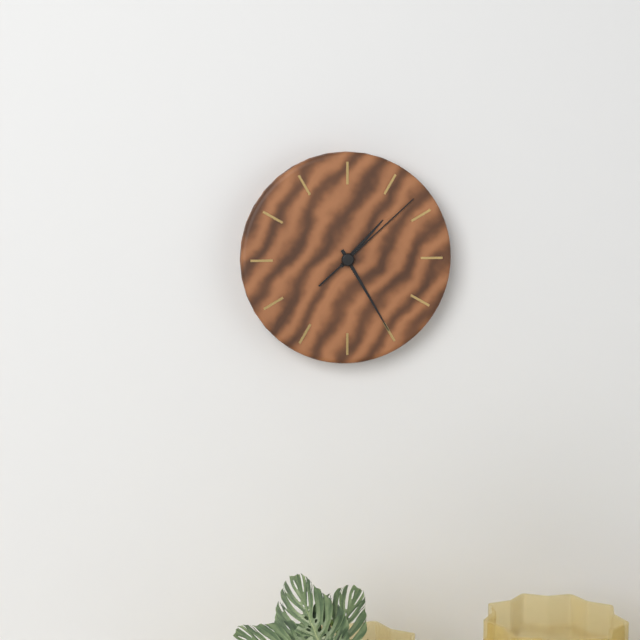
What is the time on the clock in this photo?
1:25:08
